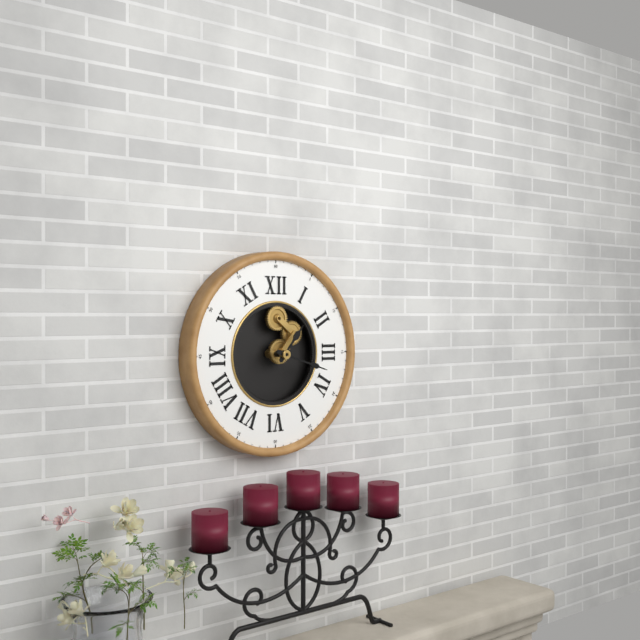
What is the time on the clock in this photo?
1:18
